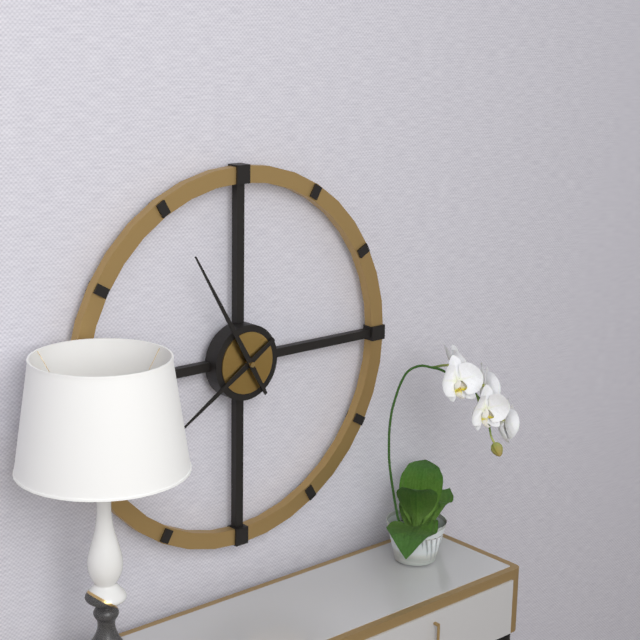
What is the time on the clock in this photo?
7:55
